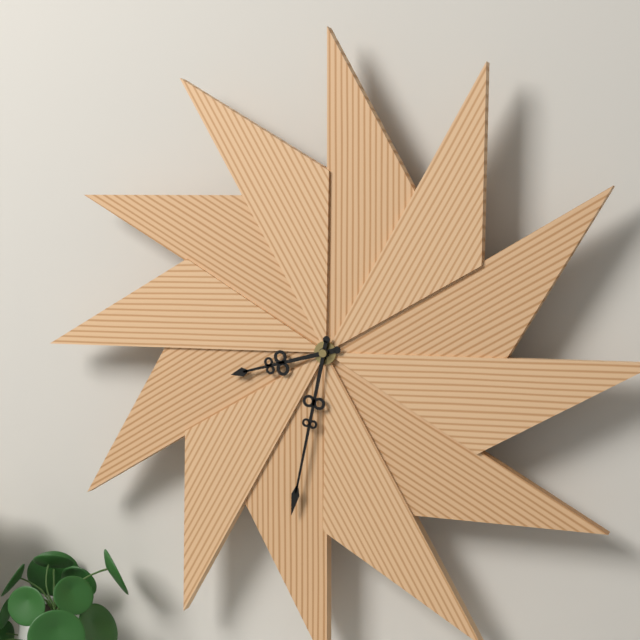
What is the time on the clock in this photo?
8:32
